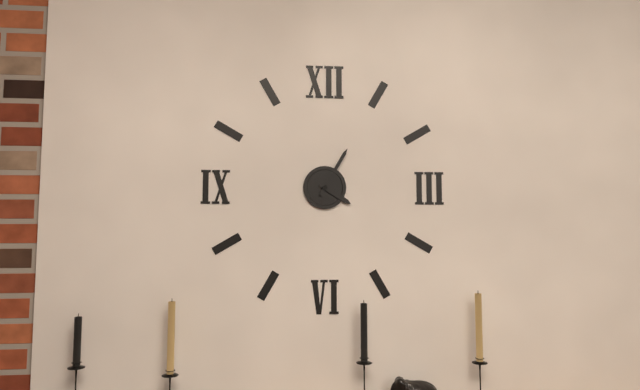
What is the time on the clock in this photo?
4:05
